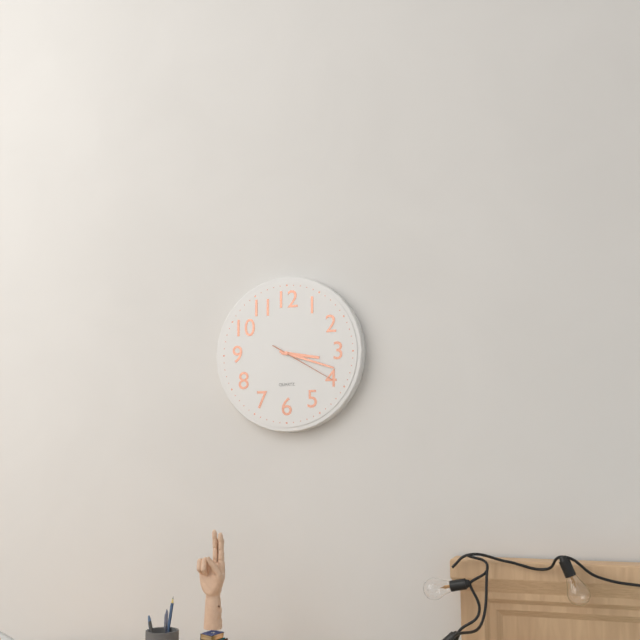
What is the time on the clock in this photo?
3:18:20
